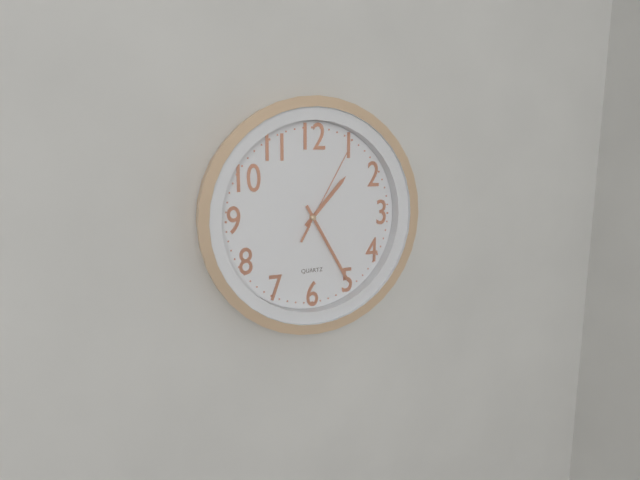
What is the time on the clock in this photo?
1:25:05
